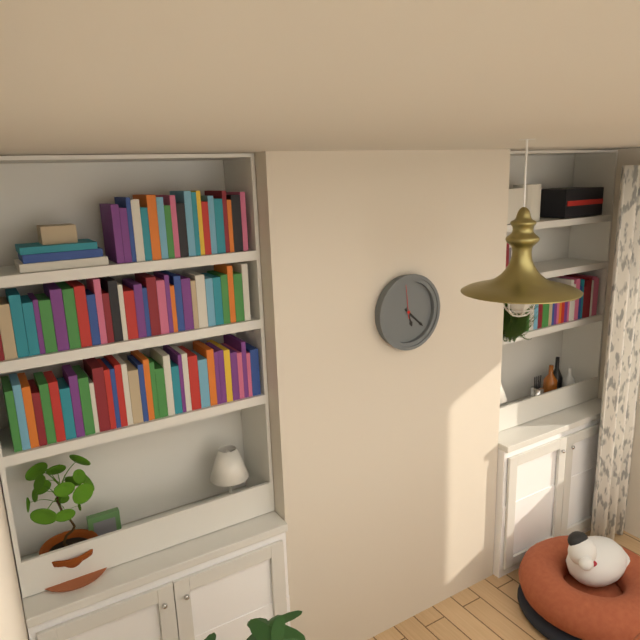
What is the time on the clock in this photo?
5:22
